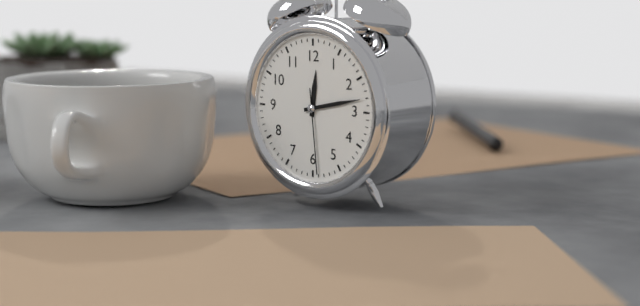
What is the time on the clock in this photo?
12:13:29
